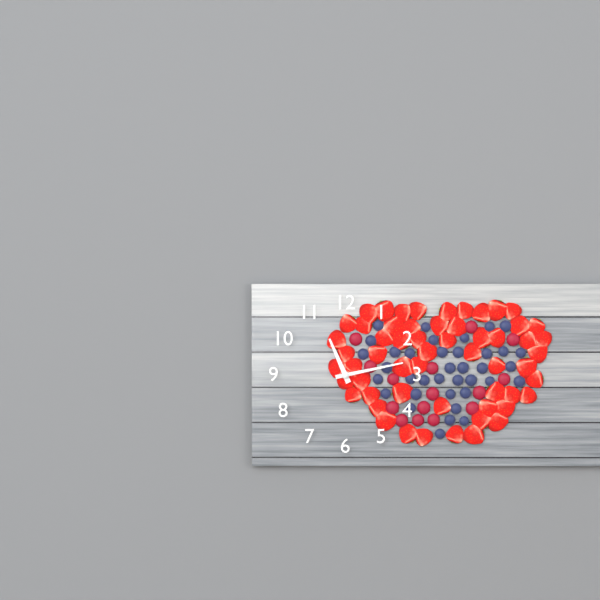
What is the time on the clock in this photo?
11:13
